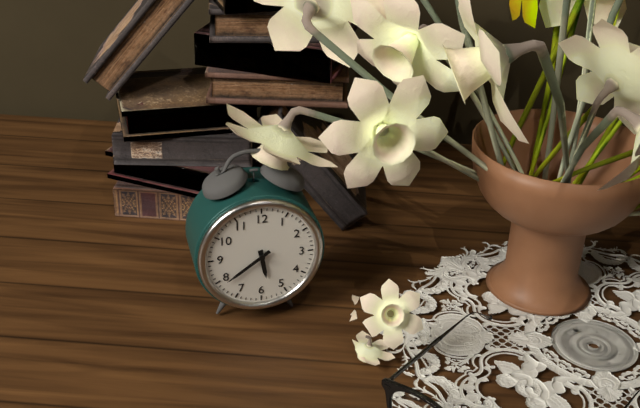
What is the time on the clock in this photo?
5:39
